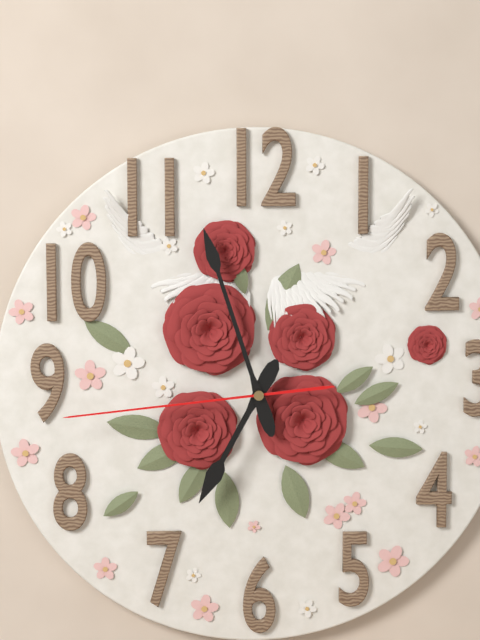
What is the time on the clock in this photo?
6:57:44
